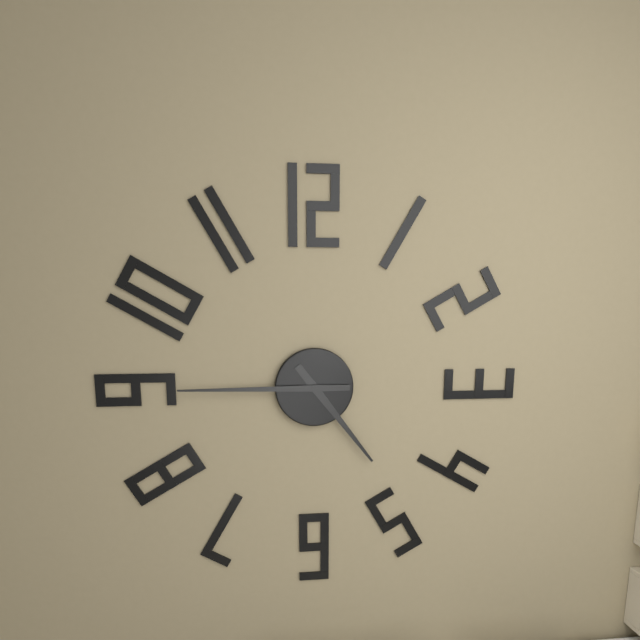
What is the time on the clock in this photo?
4:45
